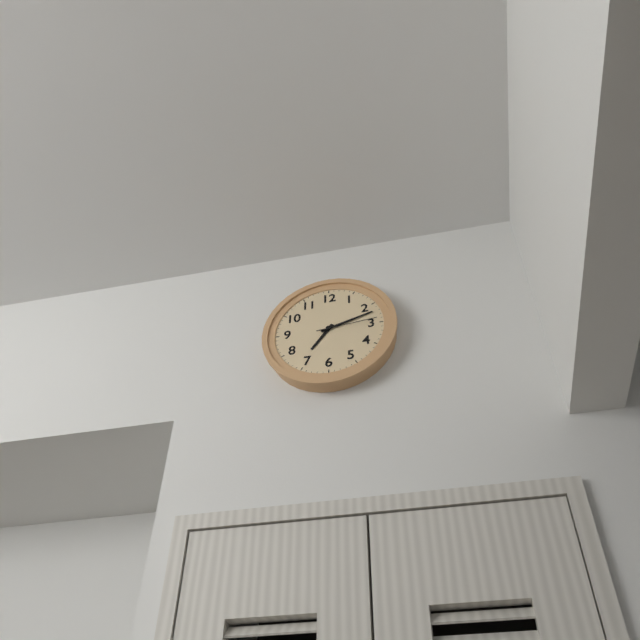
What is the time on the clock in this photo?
7:12:14
